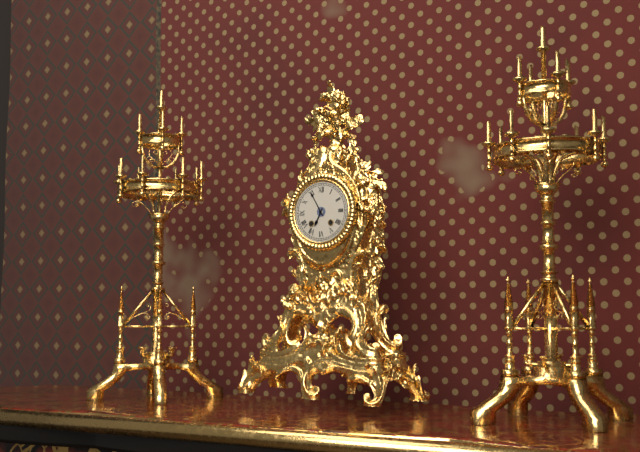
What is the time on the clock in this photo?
6:55
